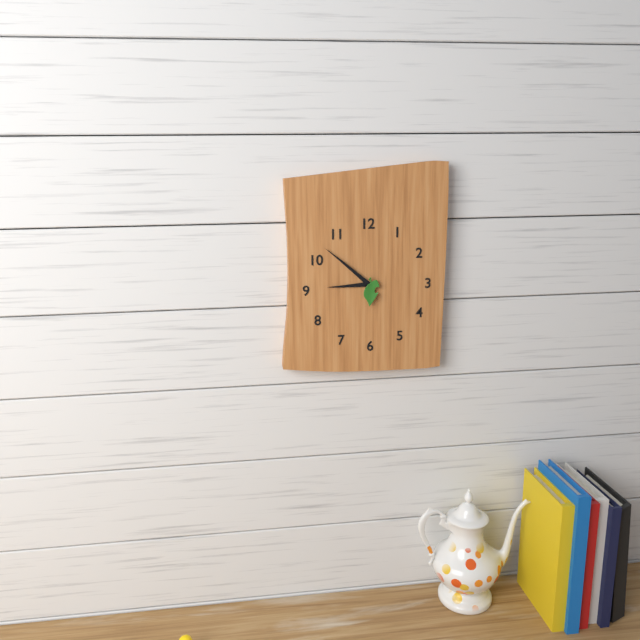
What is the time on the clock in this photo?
8:52
